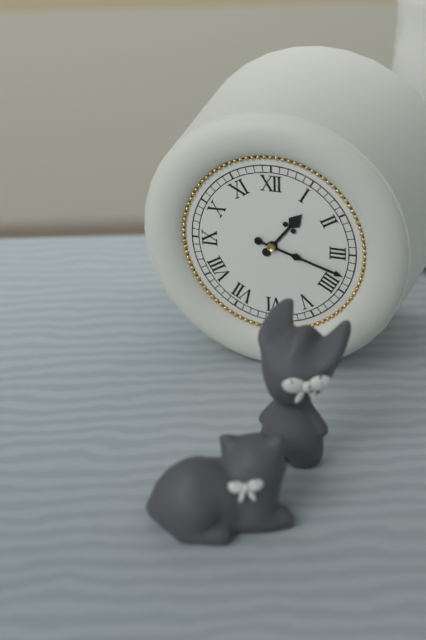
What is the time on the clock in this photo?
1:18
